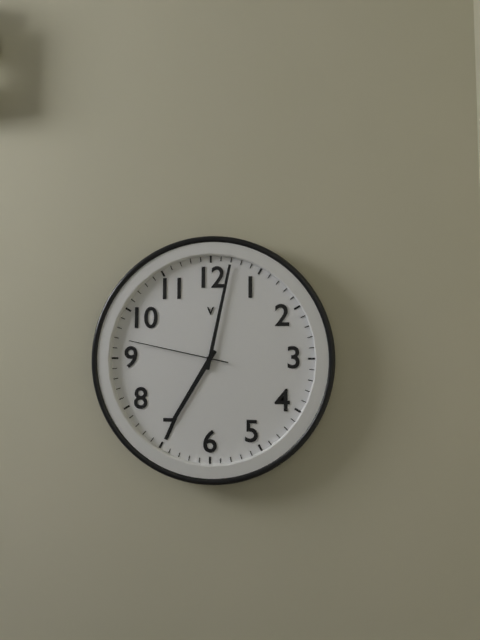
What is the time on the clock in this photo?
7:02:47
